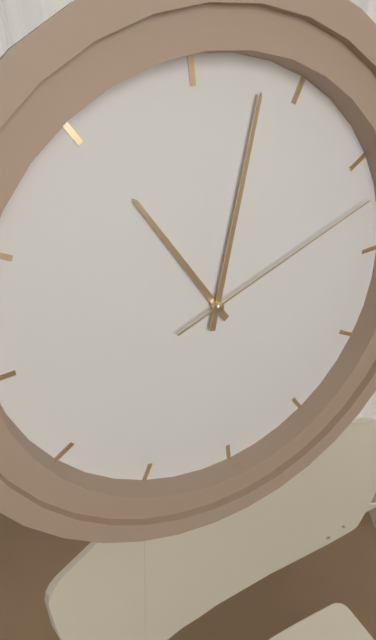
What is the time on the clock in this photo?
11:03:12
